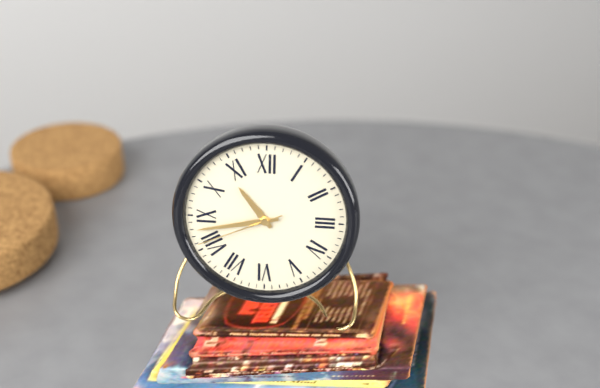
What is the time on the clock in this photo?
10:43:41
